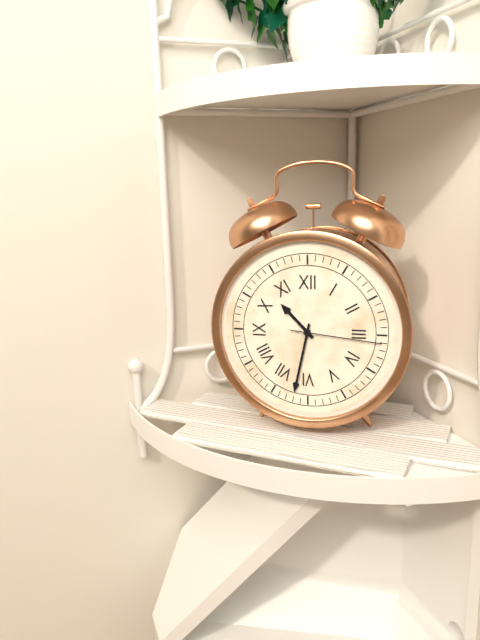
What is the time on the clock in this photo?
10:32:16
